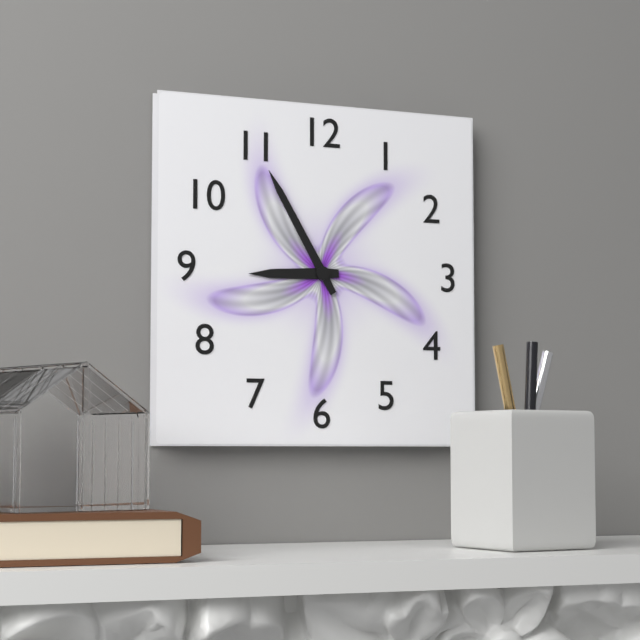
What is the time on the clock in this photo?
8:55
